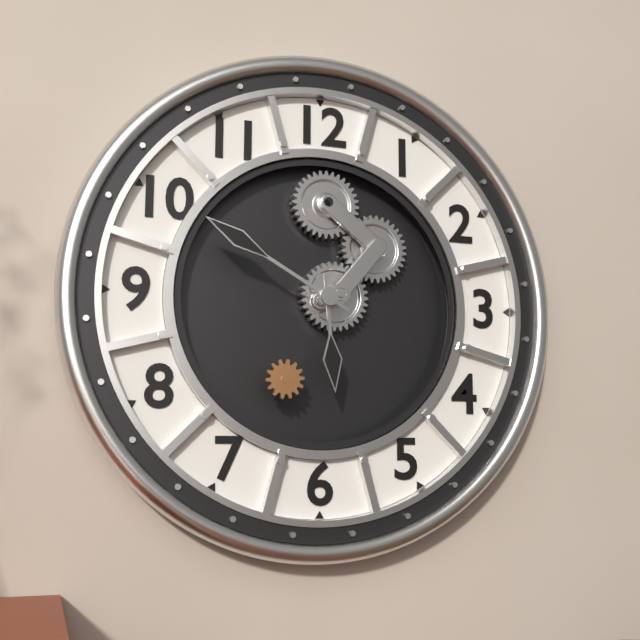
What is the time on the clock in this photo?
5:50
